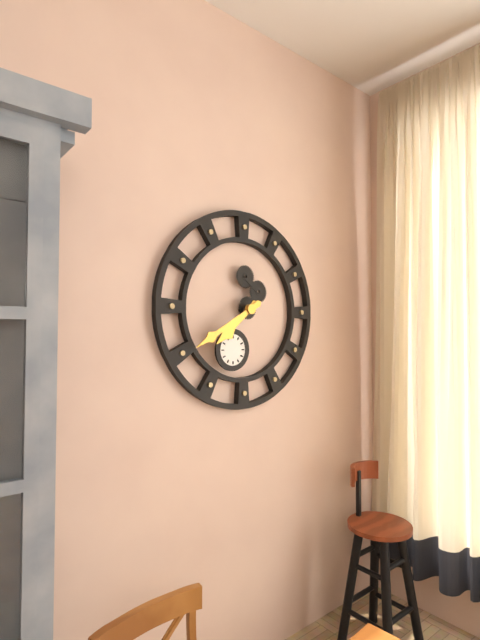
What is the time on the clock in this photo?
7:40
